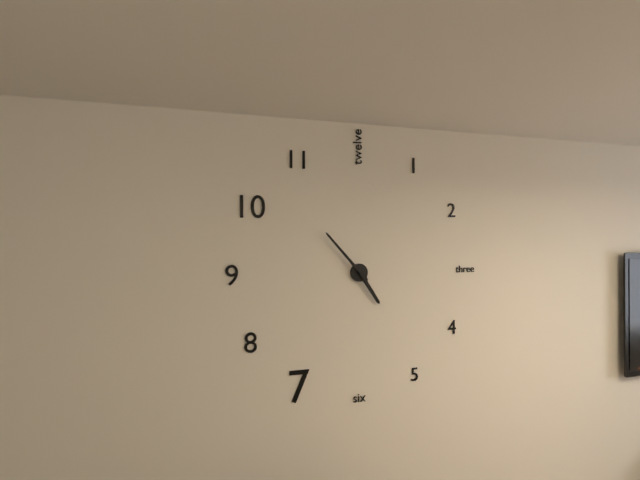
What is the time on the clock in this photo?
4:53
